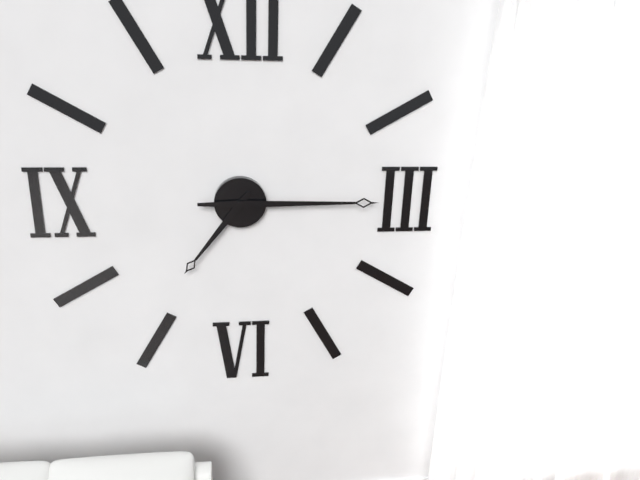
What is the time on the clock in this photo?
7:15
